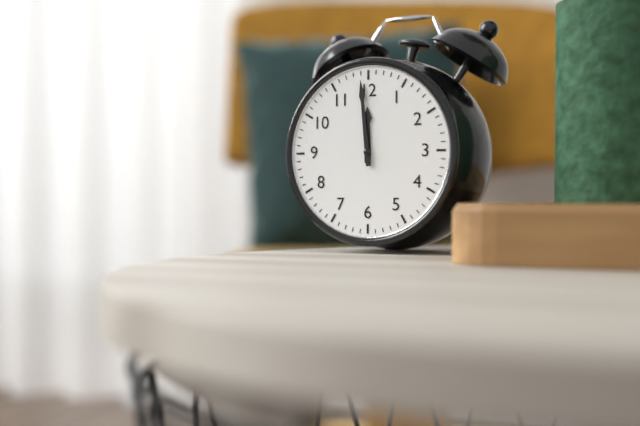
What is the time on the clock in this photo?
11:59
